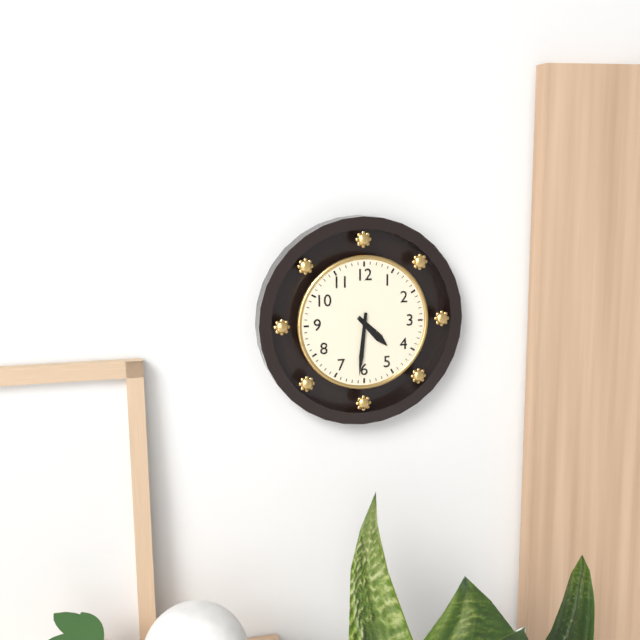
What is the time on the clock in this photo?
4:31
